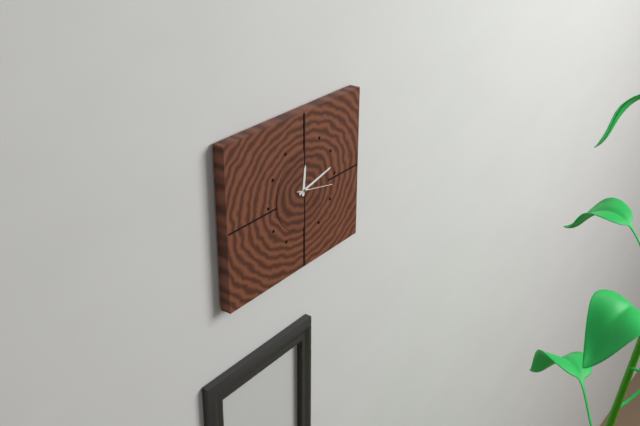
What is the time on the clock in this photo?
12:13
